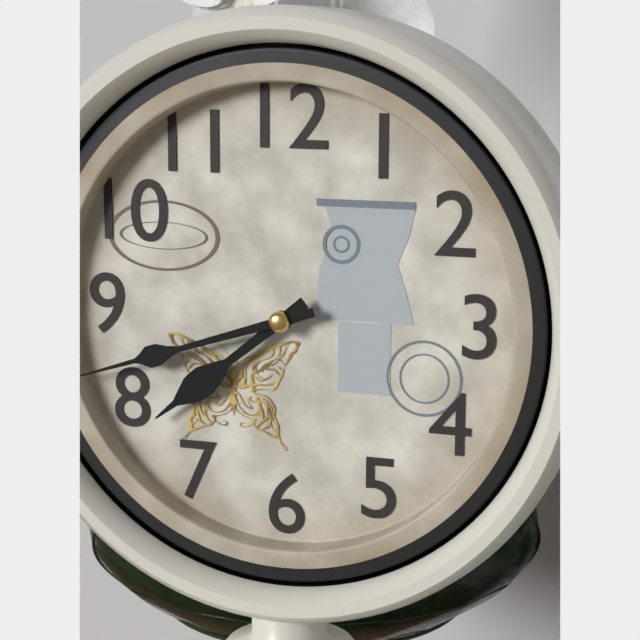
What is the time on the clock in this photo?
7:42
